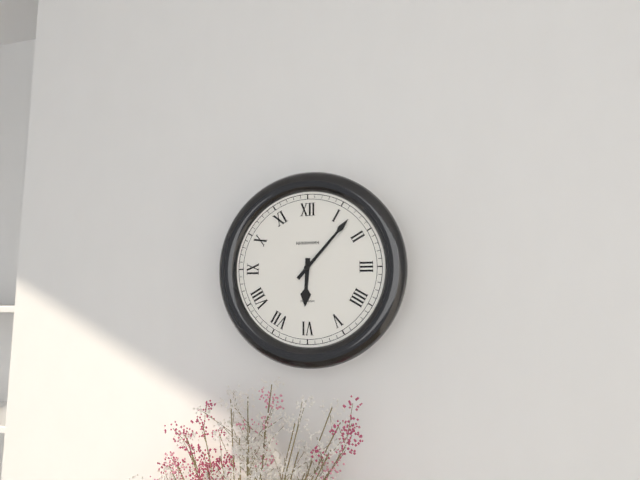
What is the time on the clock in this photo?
6:07
